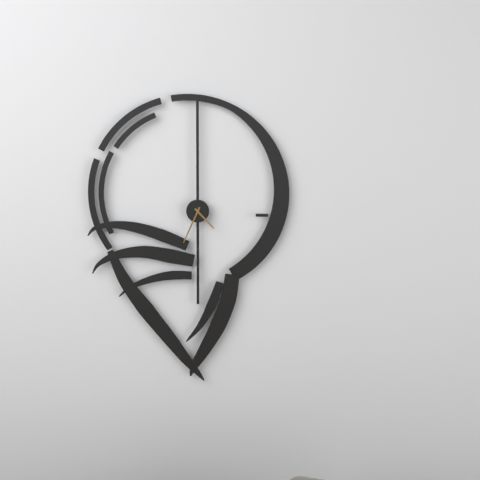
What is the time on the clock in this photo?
4:34
